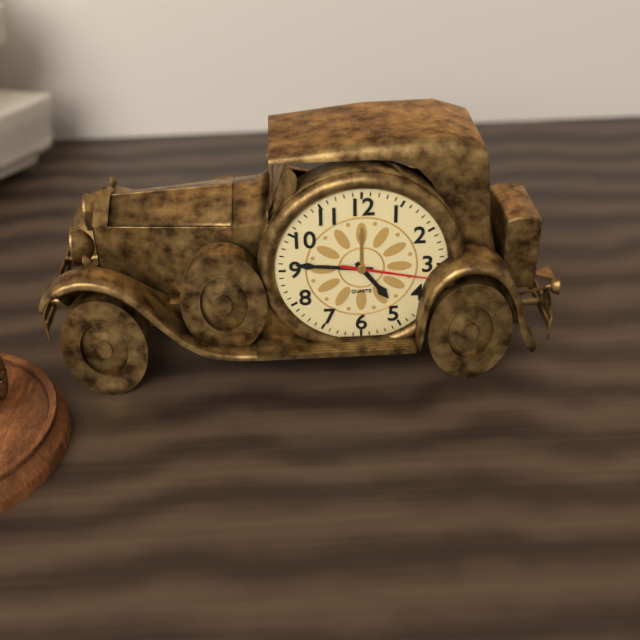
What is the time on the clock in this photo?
4:46:17
